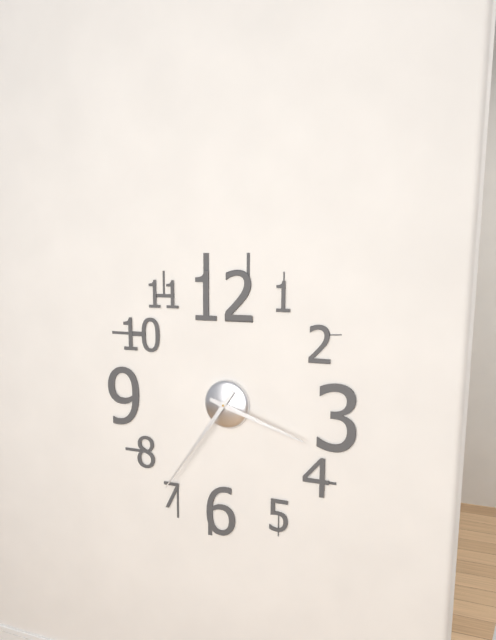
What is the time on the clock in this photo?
3:36
